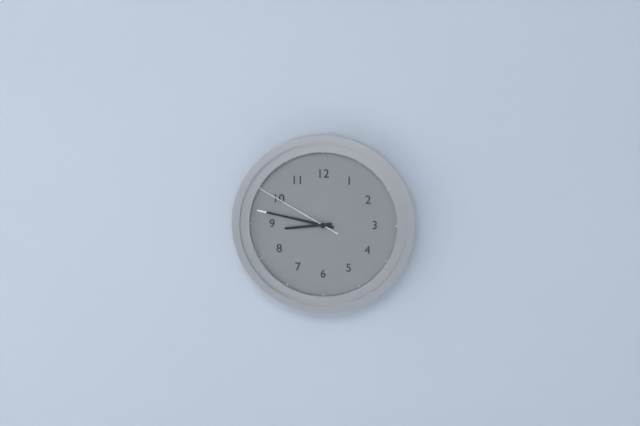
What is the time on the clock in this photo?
8:47:50
